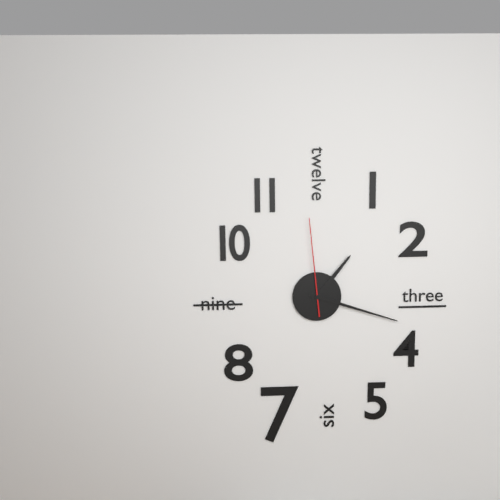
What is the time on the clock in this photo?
1:18:59
